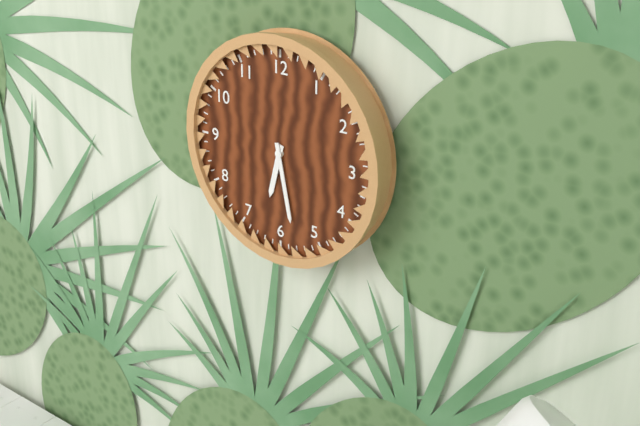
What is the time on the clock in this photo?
6:28
